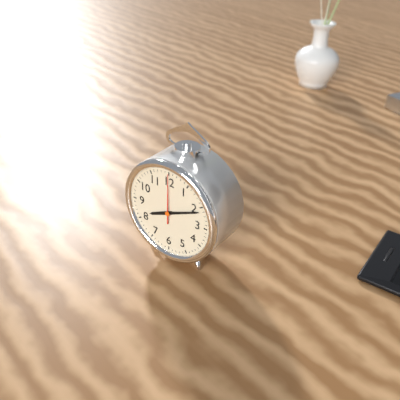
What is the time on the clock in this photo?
8:11
